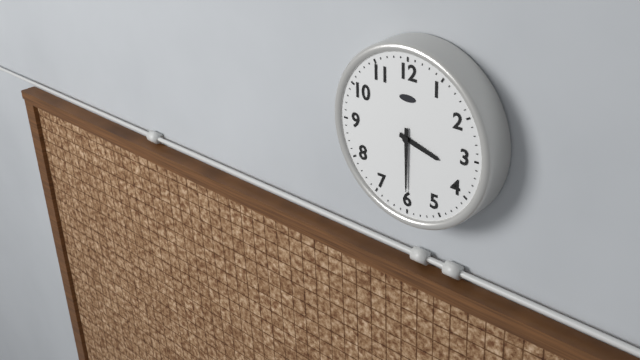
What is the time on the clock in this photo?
3:30
